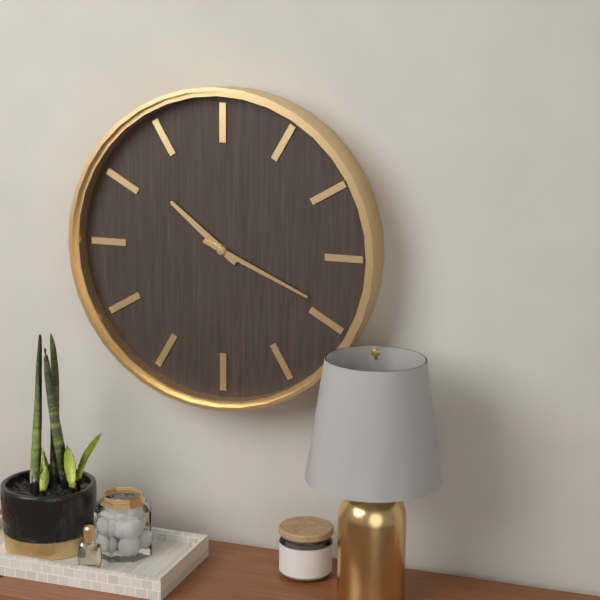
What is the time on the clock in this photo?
10:19
